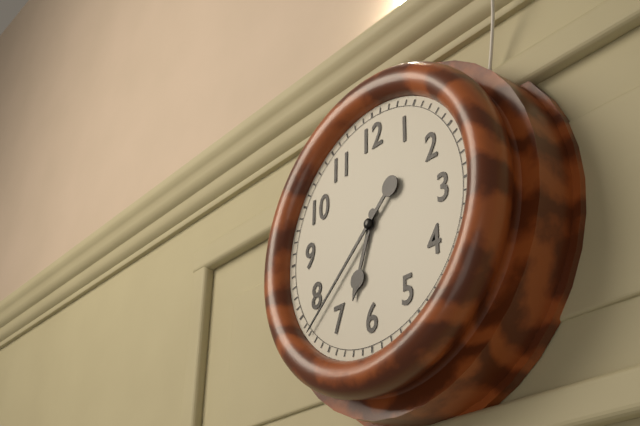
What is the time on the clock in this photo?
6:38
